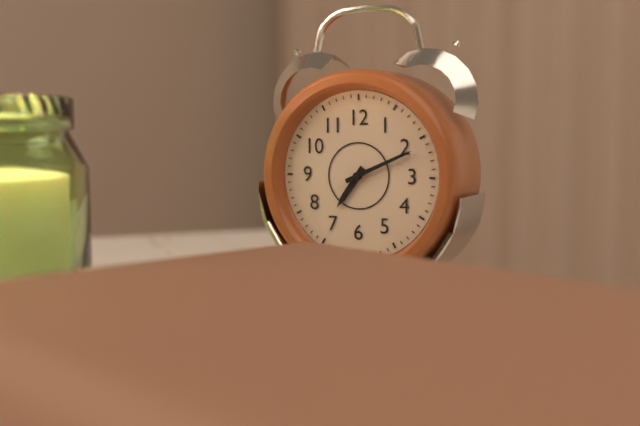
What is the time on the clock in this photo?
7:11
